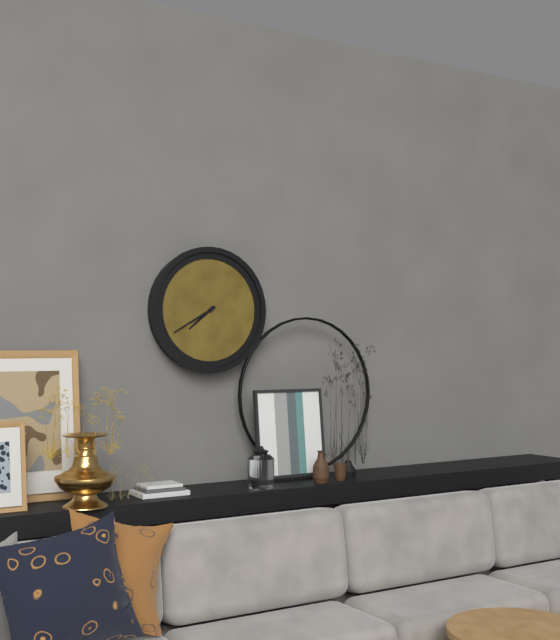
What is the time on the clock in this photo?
7:40
